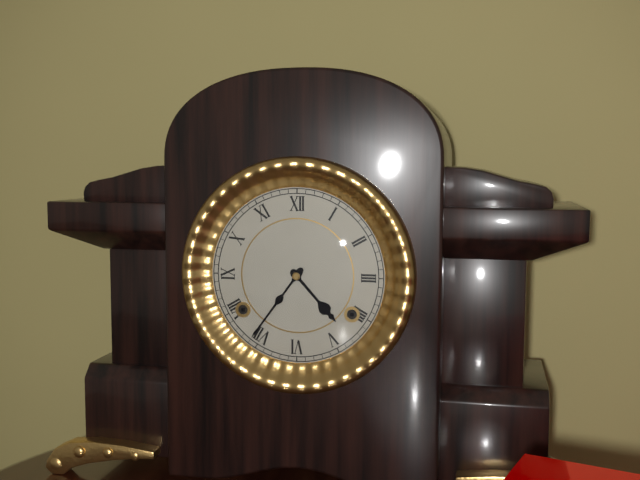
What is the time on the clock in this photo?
4:36
